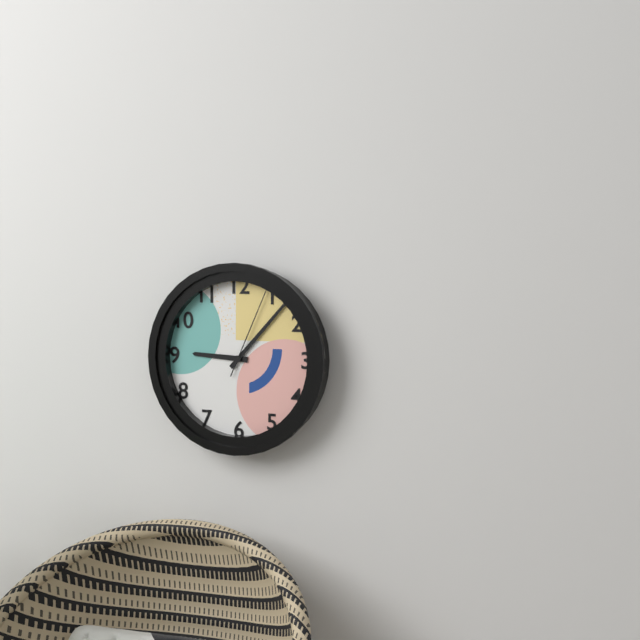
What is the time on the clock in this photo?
9:07:04
